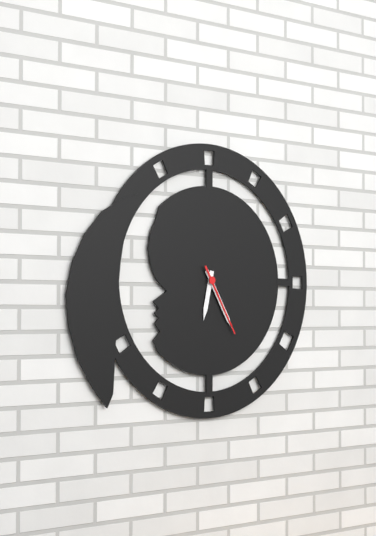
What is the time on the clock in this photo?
6:25:25
